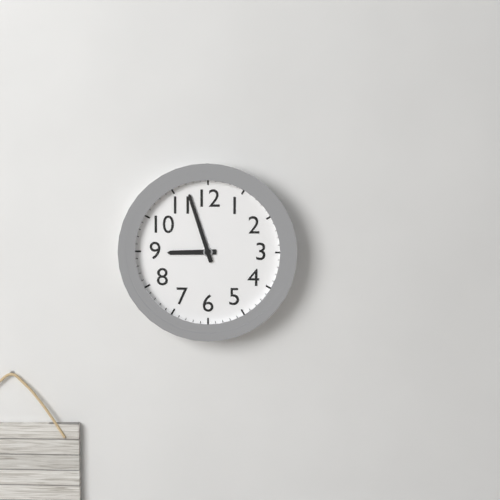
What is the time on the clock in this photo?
8:57
